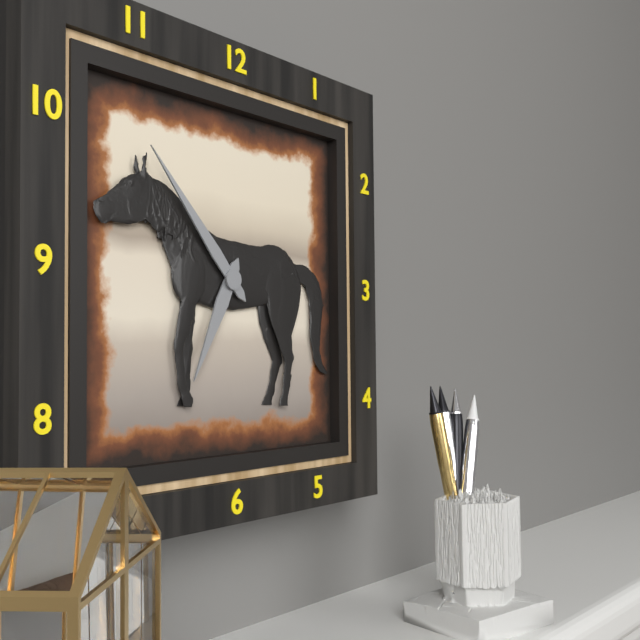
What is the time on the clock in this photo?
6:53
